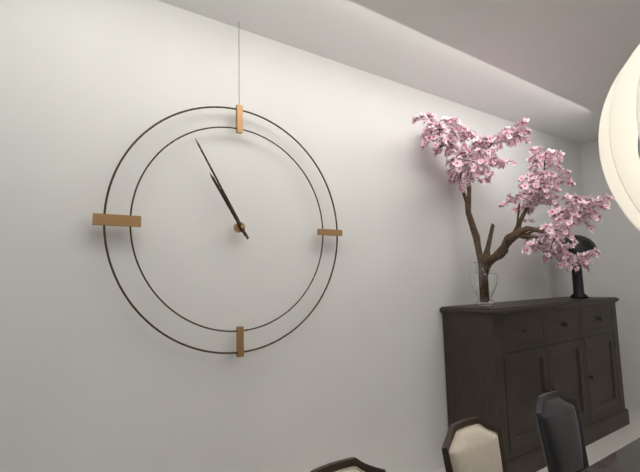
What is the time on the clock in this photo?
10:55
